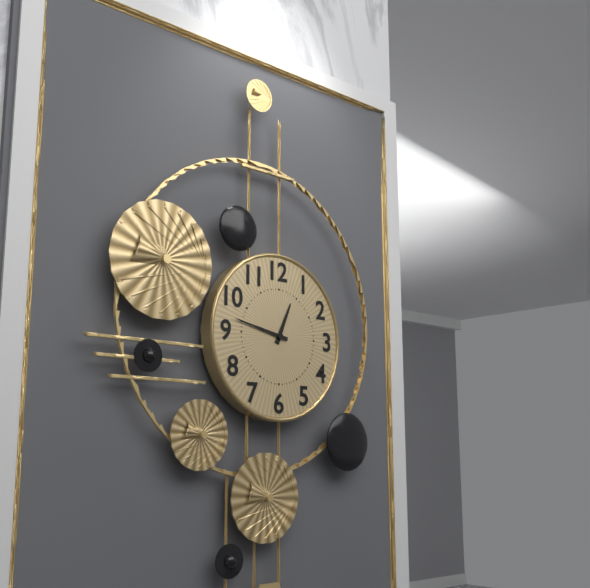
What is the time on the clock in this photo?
12:47
